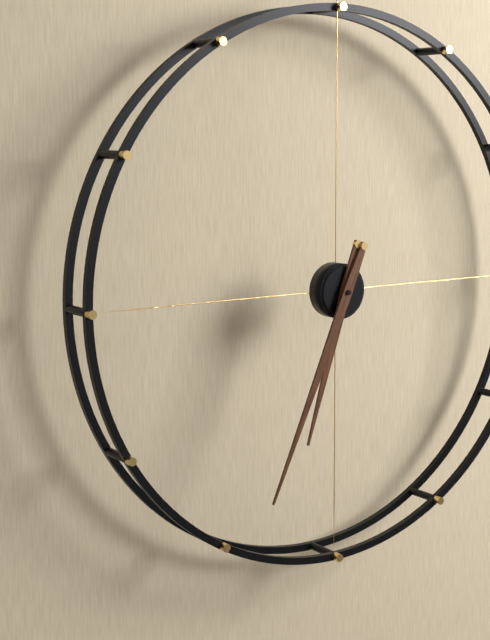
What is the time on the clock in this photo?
6:34
